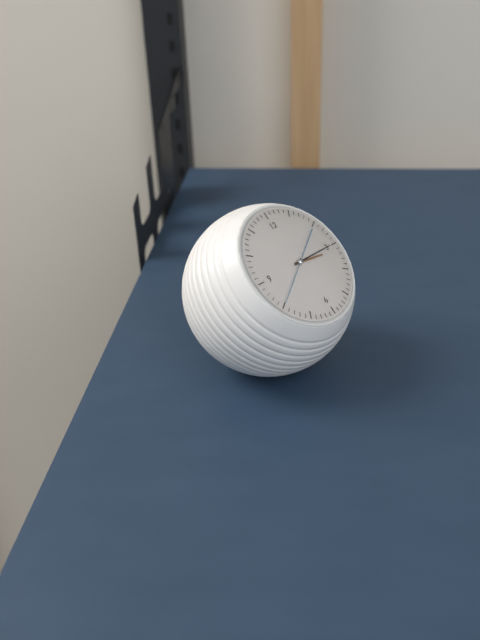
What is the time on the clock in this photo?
3:15:40
